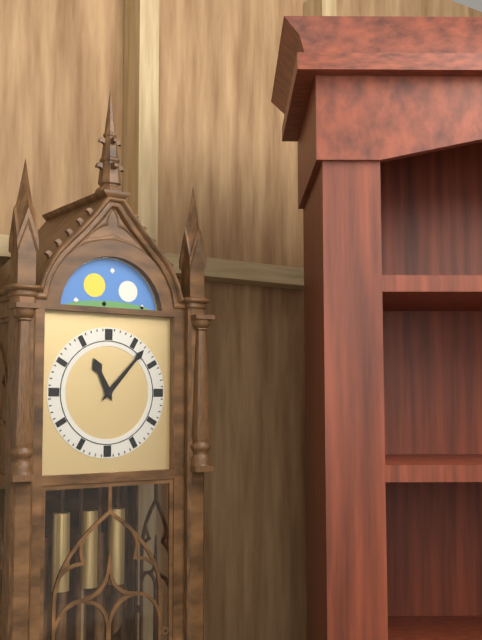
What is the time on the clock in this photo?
11:07
